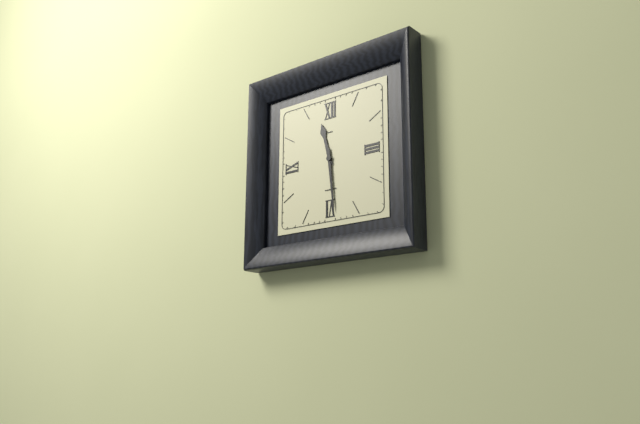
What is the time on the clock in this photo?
11:29
